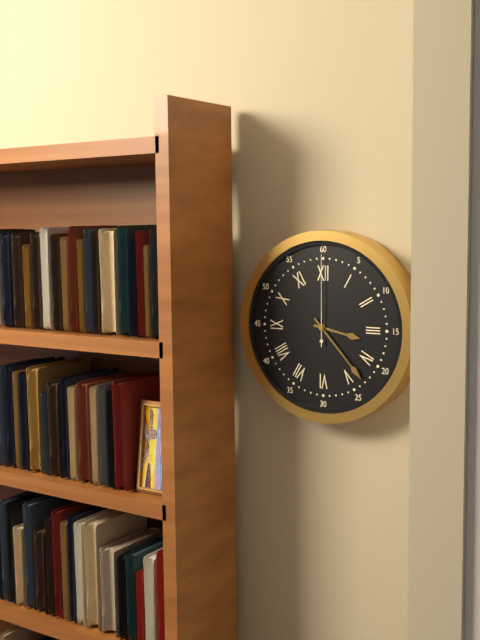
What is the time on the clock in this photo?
3:23:00
